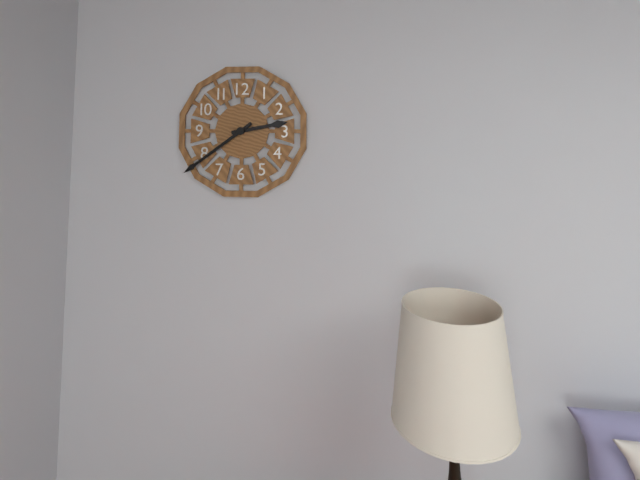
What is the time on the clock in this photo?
2:39
